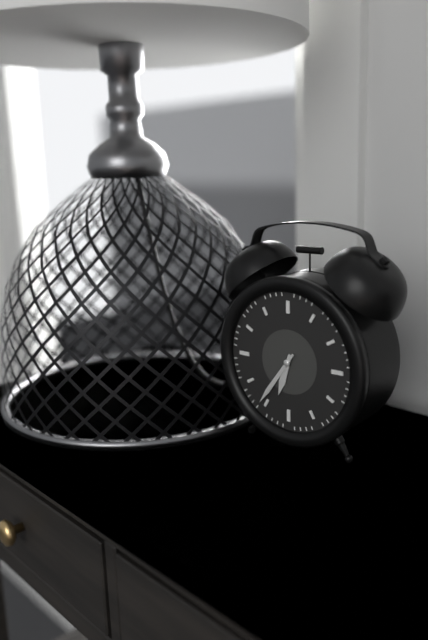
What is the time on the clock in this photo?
6:36
